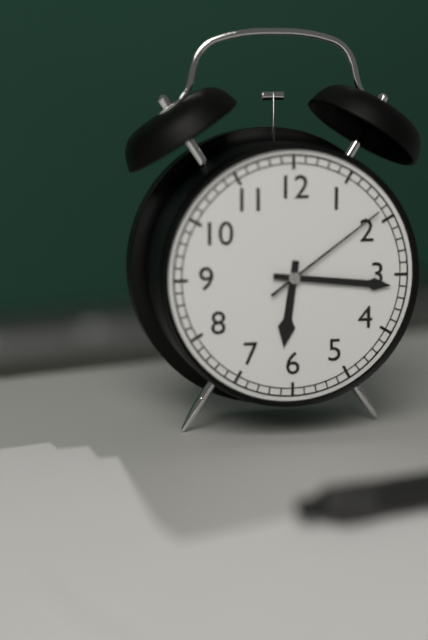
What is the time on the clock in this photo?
6:16:09
